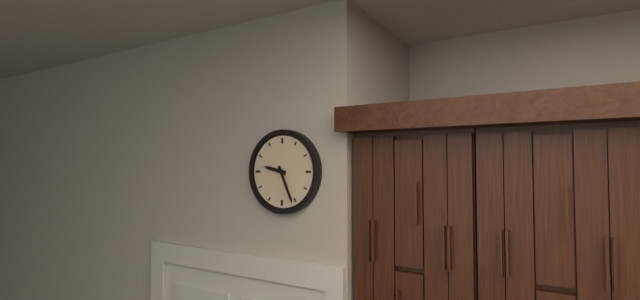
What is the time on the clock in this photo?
9:26
